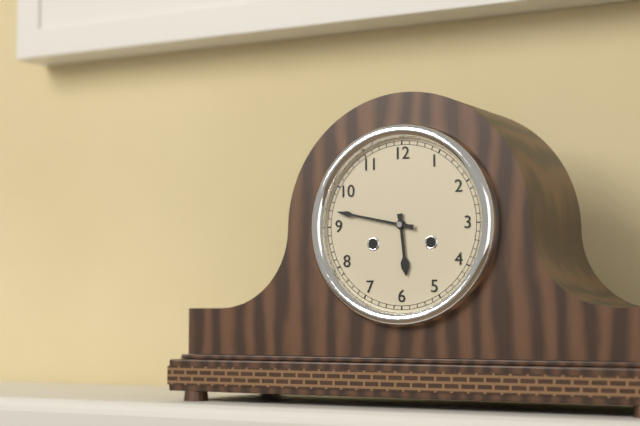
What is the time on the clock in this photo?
5:47
